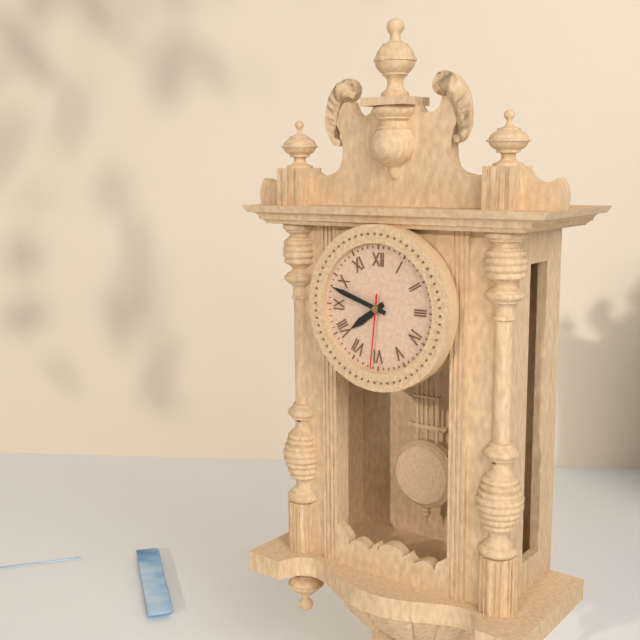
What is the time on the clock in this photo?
7:48:31
